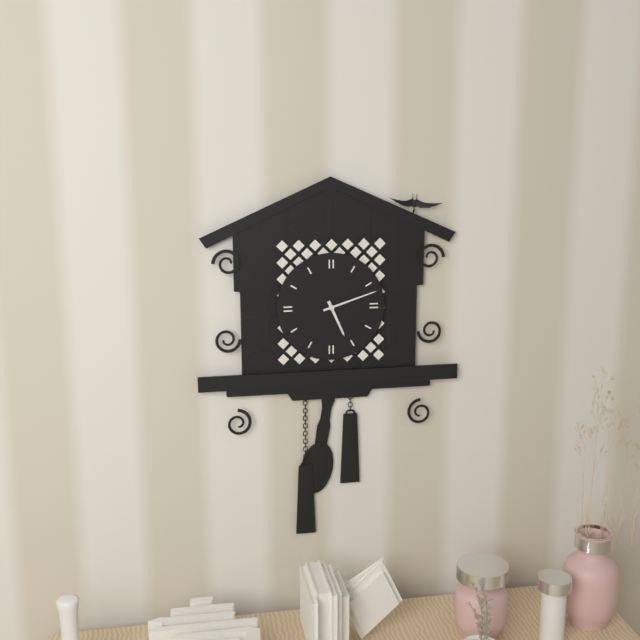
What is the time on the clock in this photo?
5:12
